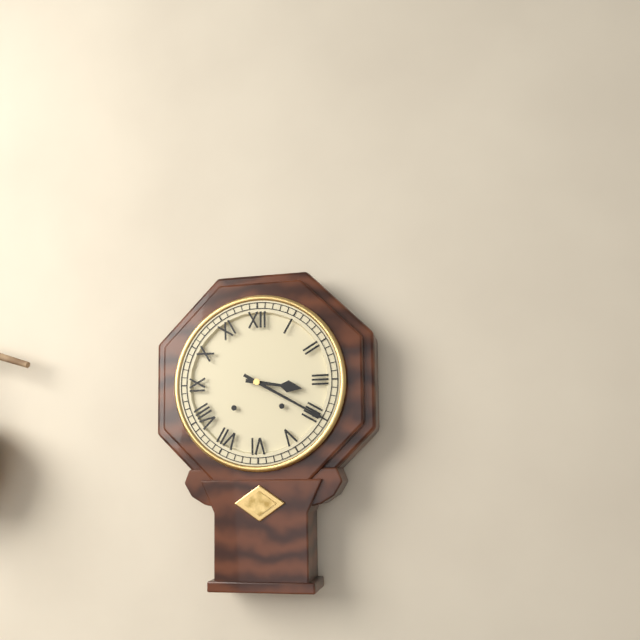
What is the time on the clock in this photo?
3:20
